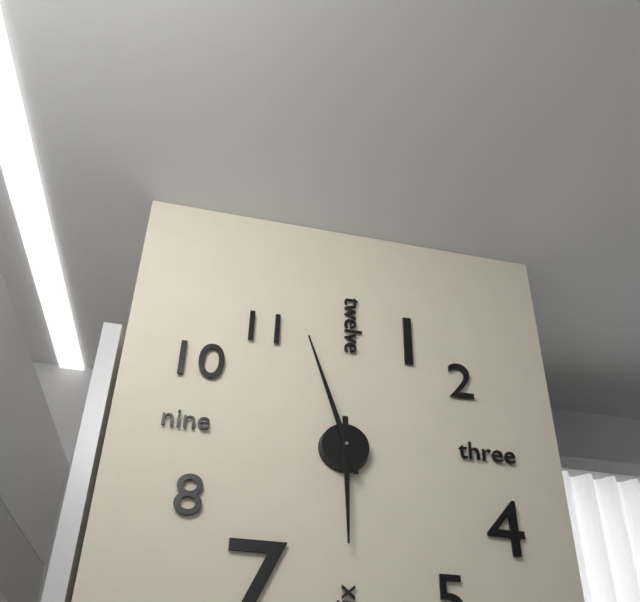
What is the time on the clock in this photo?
5:57
